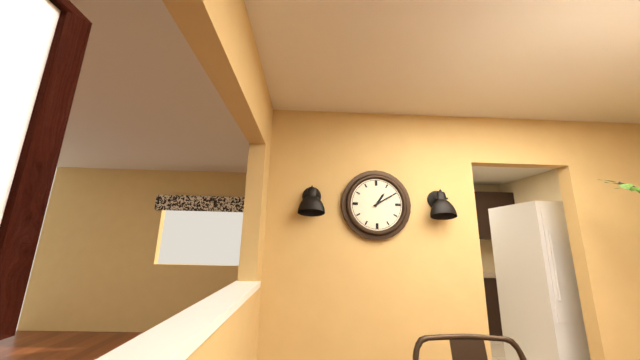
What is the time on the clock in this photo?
1:10
